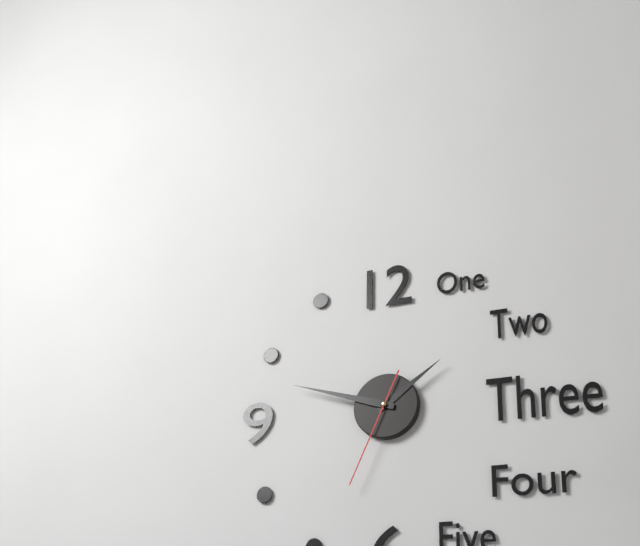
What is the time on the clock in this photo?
1:48:34
